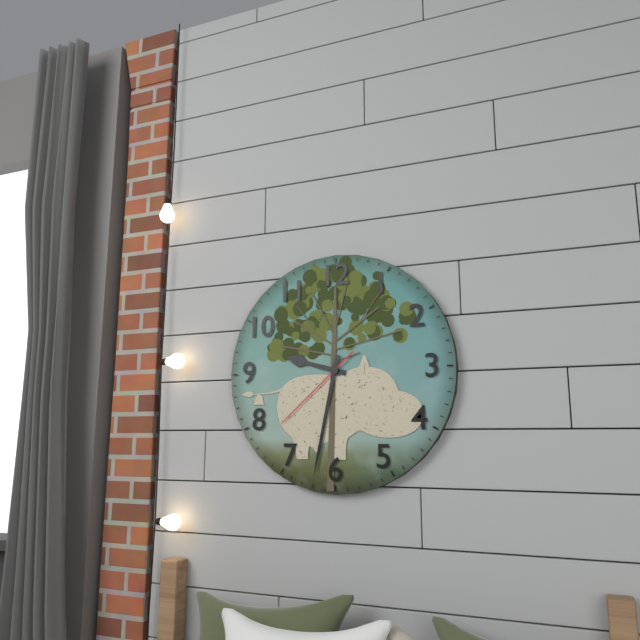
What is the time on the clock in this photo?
9:32:38
